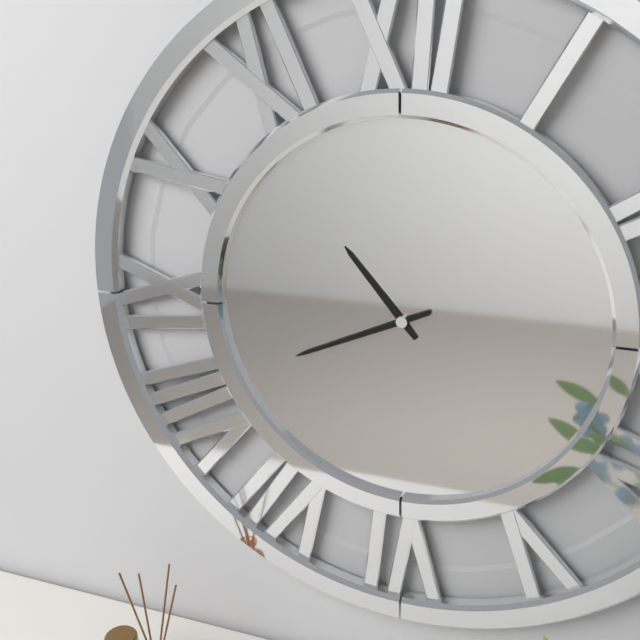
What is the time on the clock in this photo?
10:41
